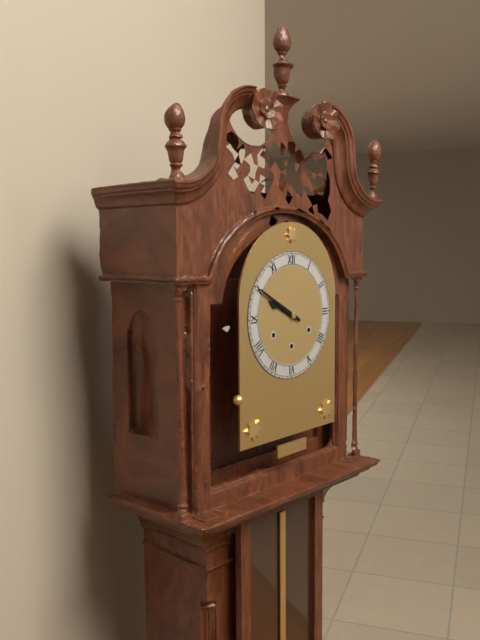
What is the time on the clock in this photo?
9:50
